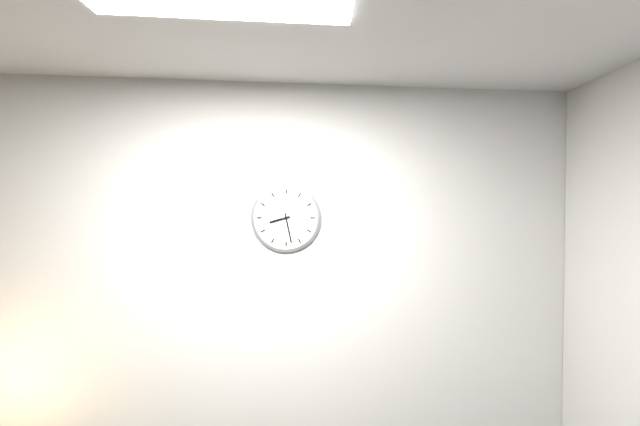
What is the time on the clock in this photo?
8:28
